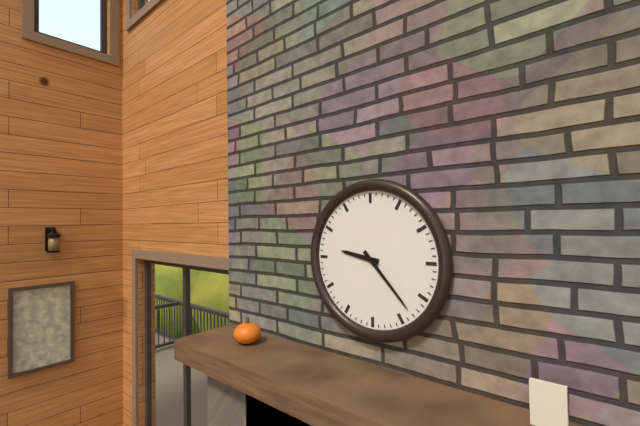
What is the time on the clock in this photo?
9:23
